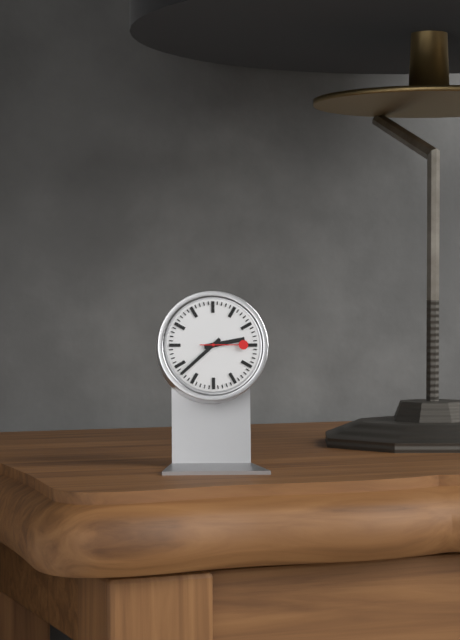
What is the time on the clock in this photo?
2:38
